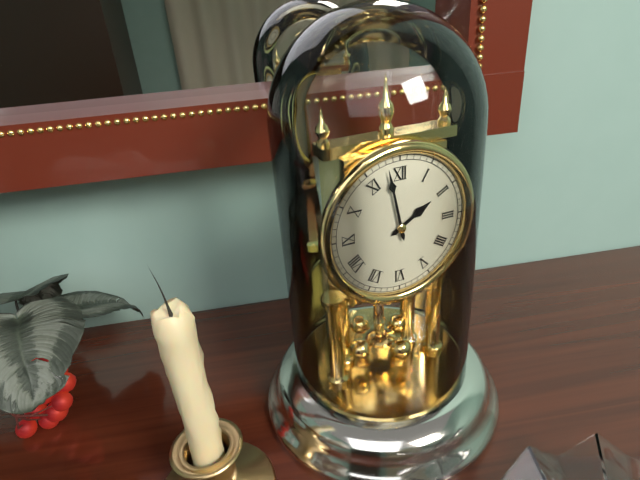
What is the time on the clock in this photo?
1:58
